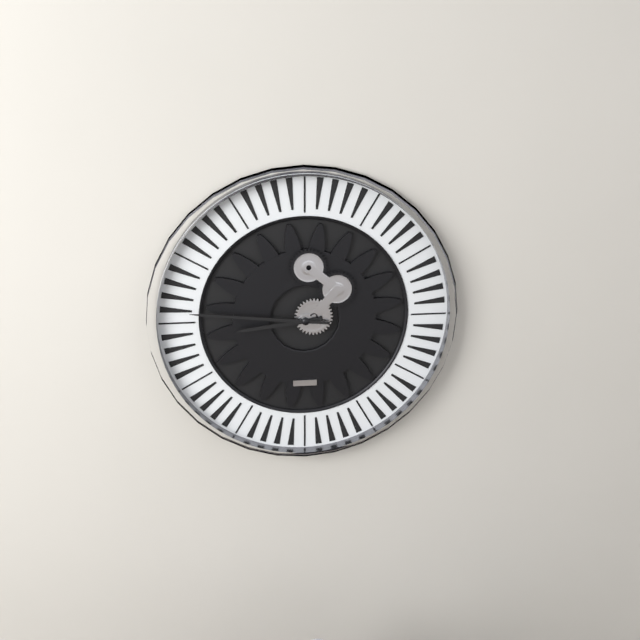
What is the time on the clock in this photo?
8:46
